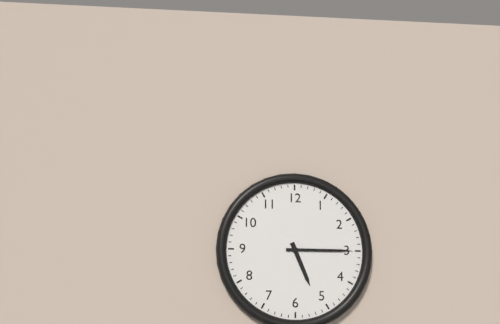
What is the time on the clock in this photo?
5:15
